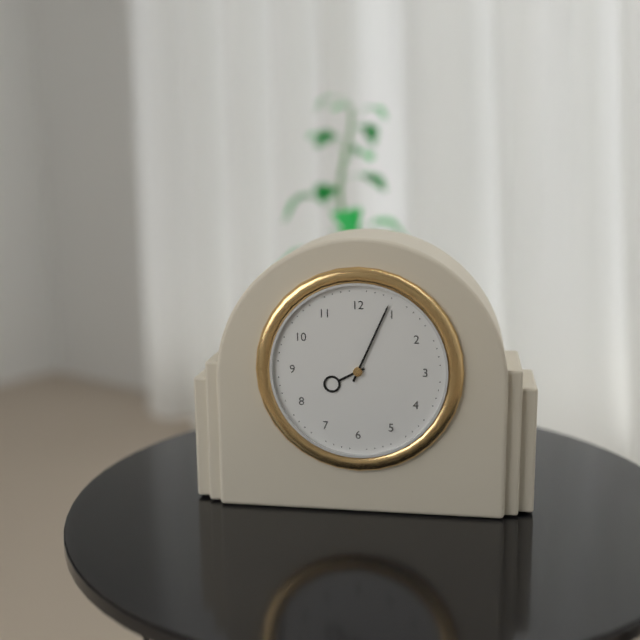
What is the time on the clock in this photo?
8:04
